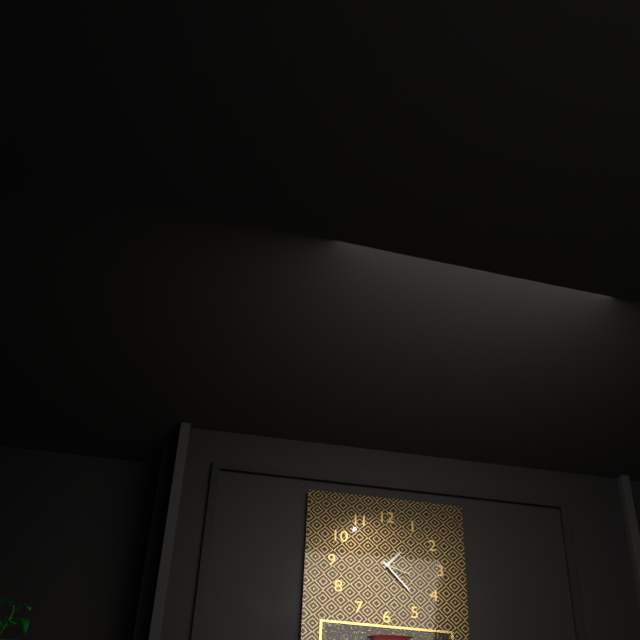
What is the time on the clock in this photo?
1:23
